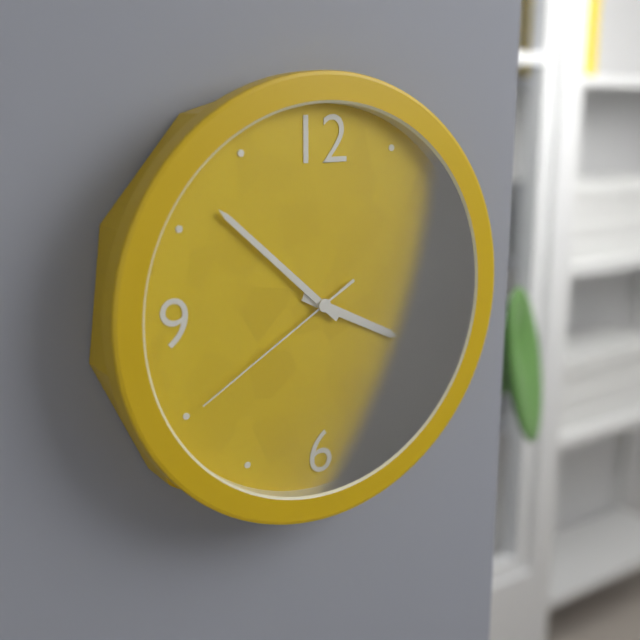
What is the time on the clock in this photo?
3:52:40
